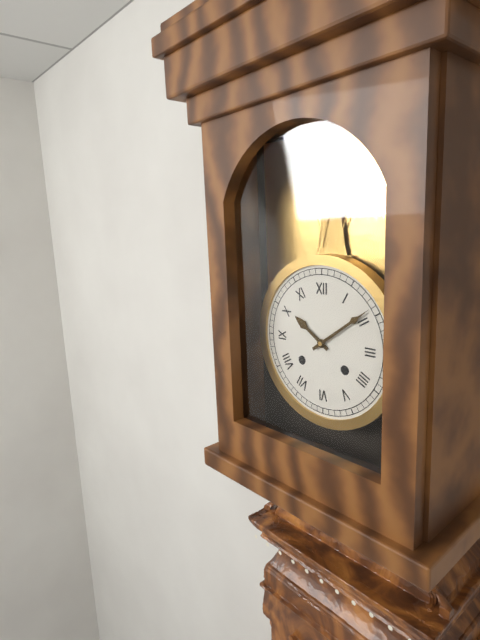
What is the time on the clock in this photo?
10:09
